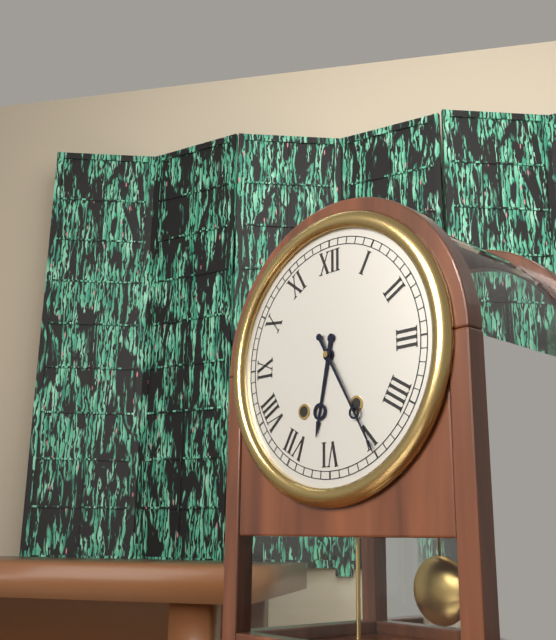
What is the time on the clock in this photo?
6:25
